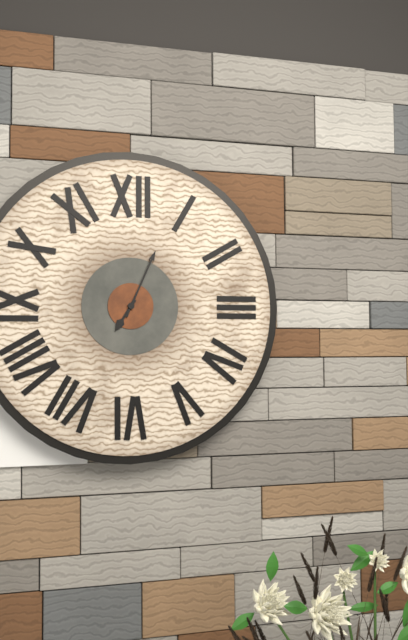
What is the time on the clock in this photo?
7:04
